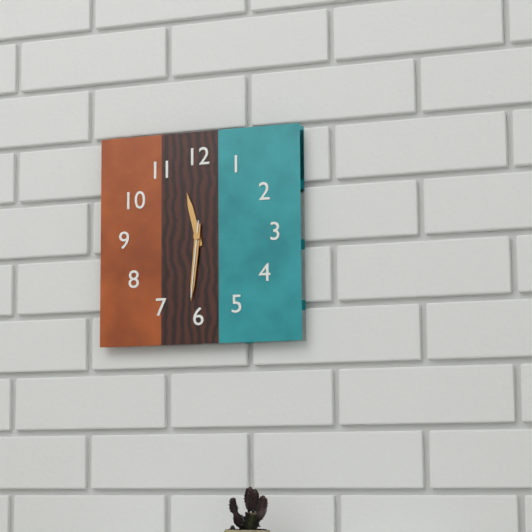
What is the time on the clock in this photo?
11:31:31
